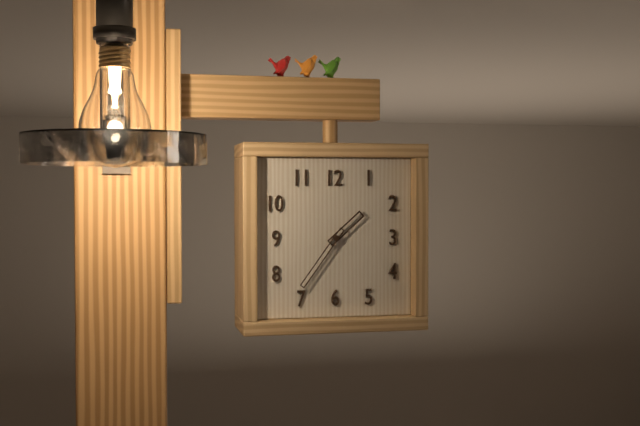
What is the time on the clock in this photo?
1:36
